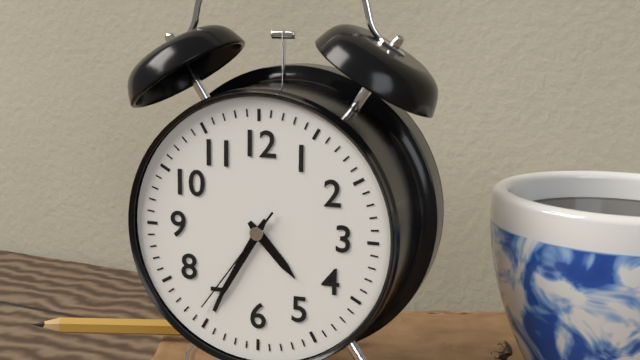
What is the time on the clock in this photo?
4:35:36
